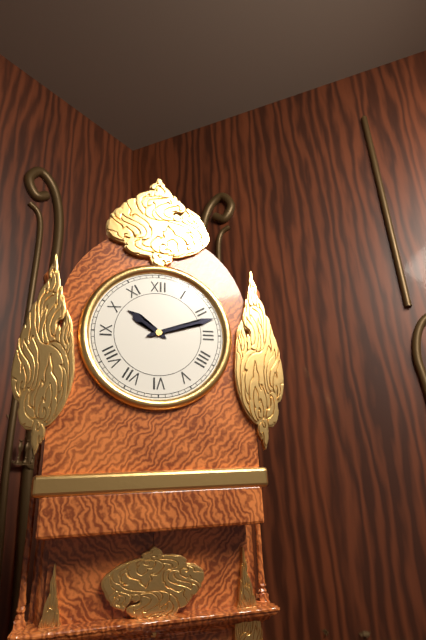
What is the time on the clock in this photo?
10:12
